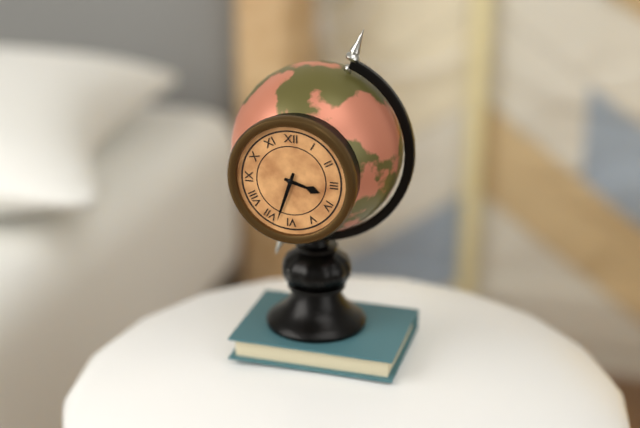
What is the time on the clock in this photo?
3:33
